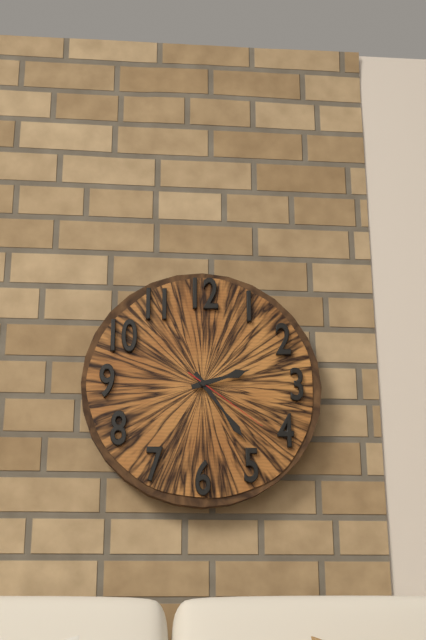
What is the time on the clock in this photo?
2:24:21
